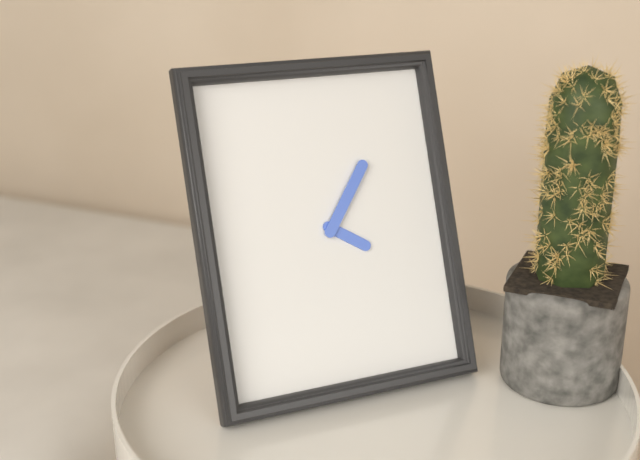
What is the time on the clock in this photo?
4:06
